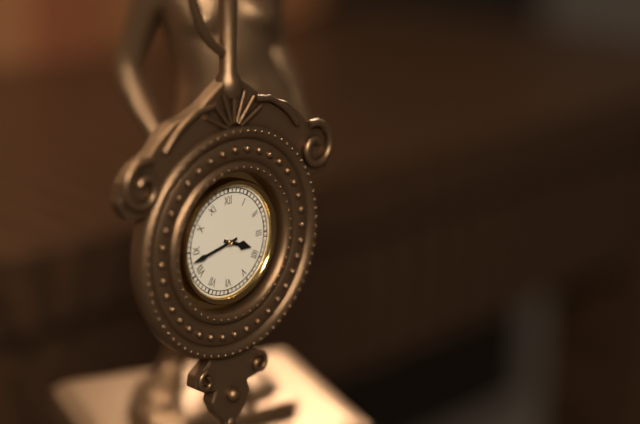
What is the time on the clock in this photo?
3:43
